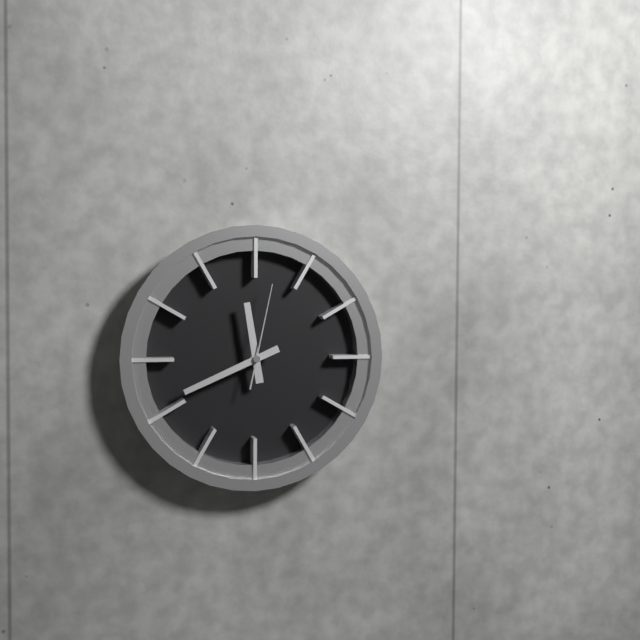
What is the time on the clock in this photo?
11:41:02
